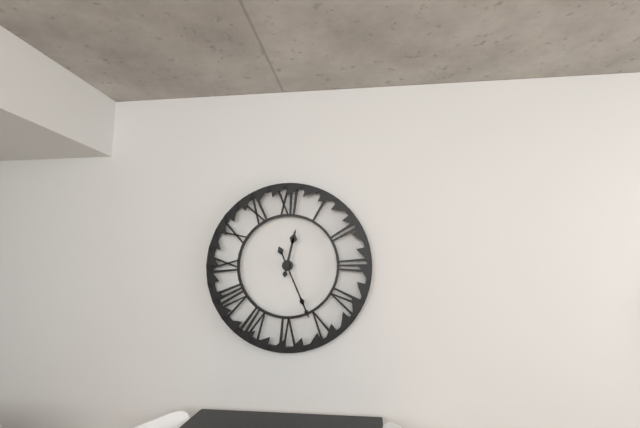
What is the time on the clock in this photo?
12:26
